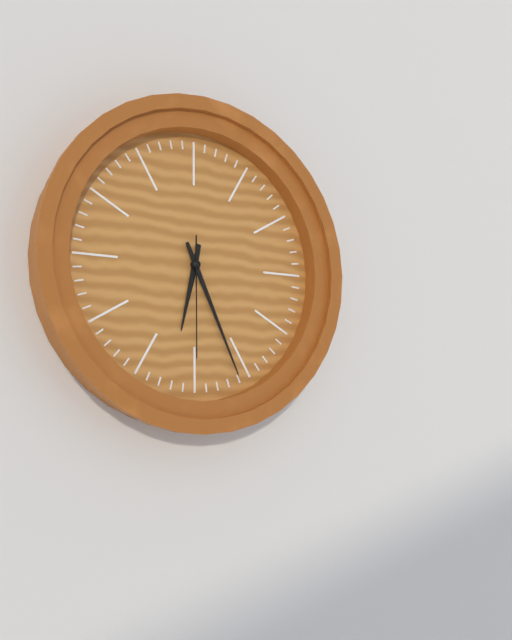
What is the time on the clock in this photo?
6:26:30
